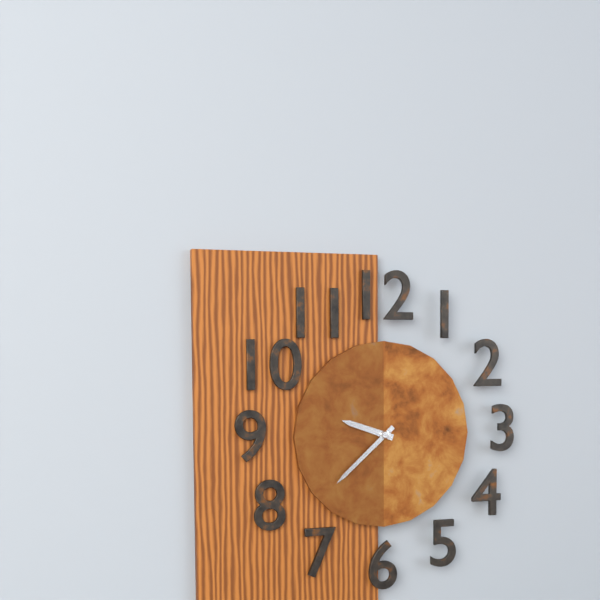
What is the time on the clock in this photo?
9:38
